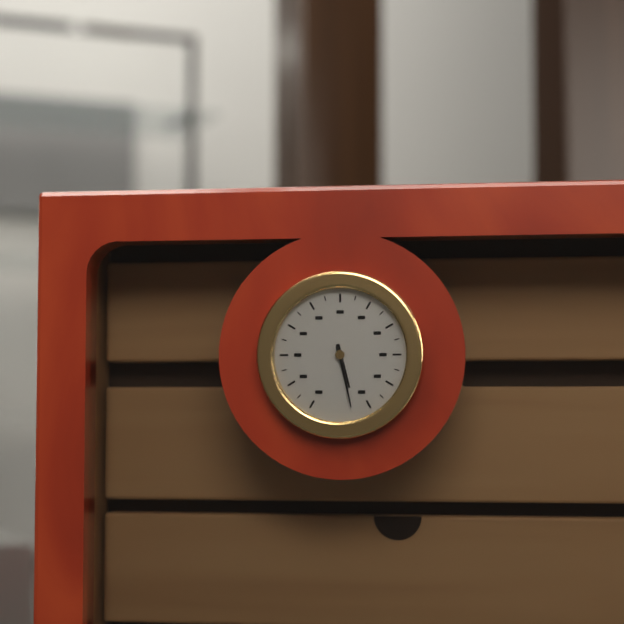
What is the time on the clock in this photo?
5:28
